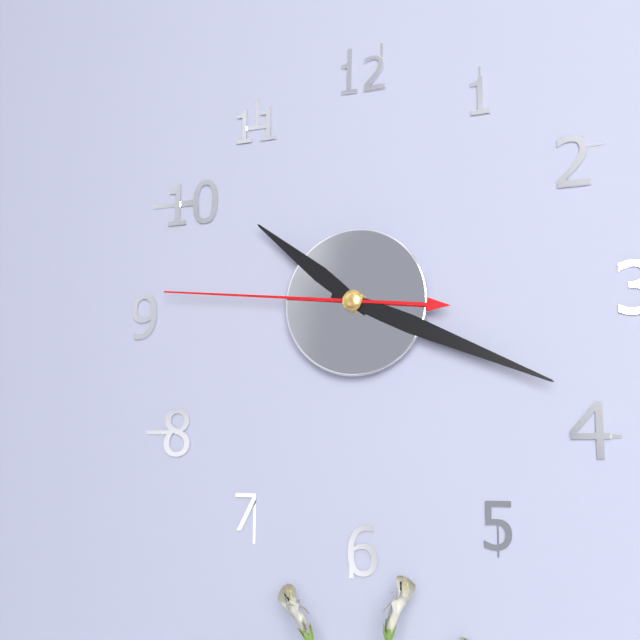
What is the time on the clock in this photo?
10:19:46
